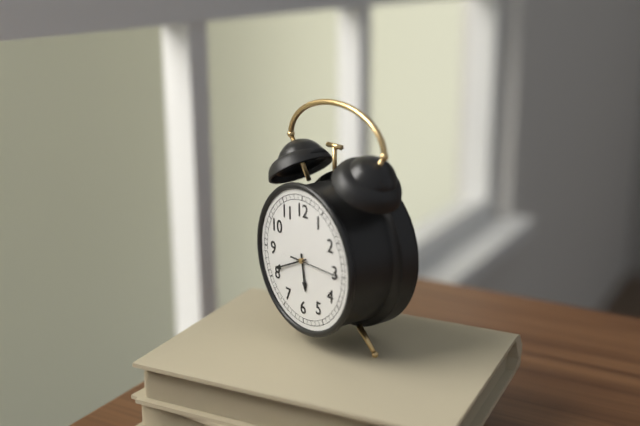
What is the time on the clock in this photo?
5:41
